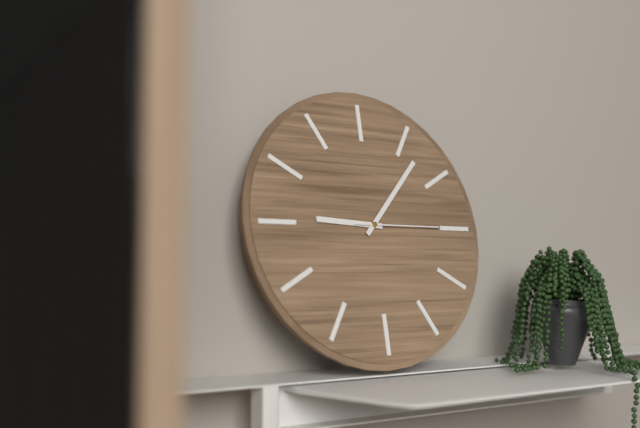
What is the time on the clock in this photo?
9:07:15
